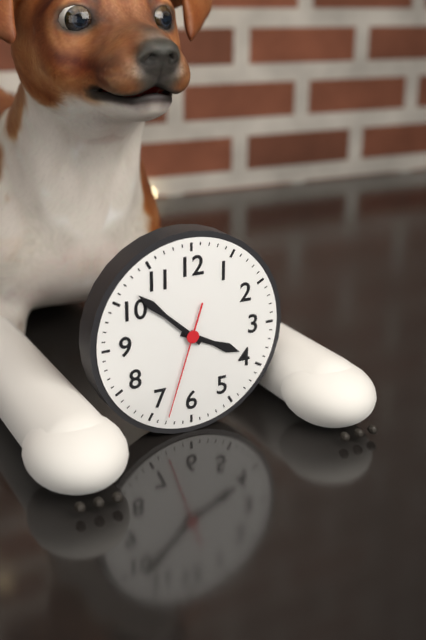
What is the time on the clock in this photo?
3:52:33
